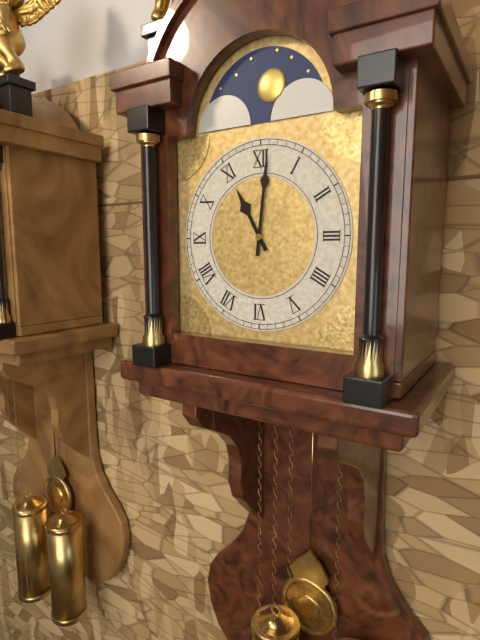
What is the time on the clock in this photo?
11:01
